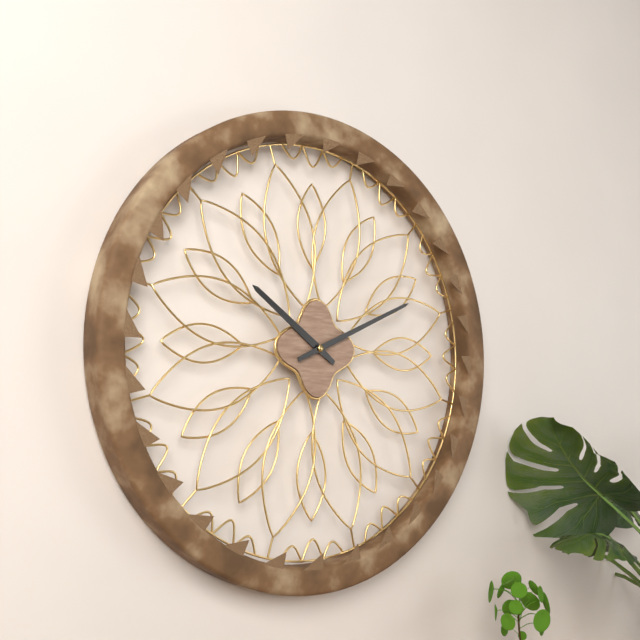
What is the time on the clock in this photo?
10:11
